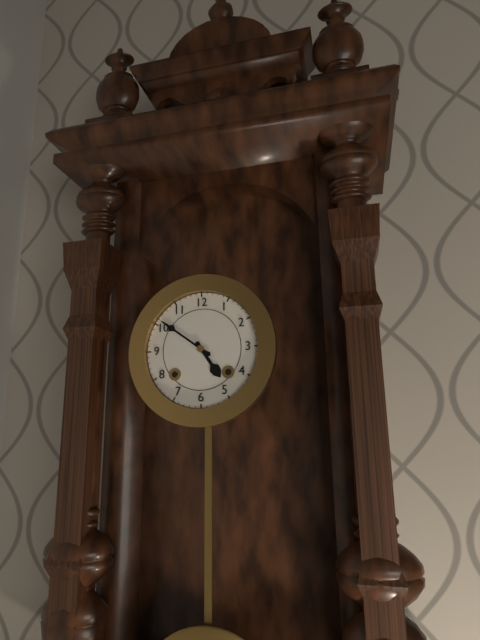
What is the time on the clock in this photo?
4:51
